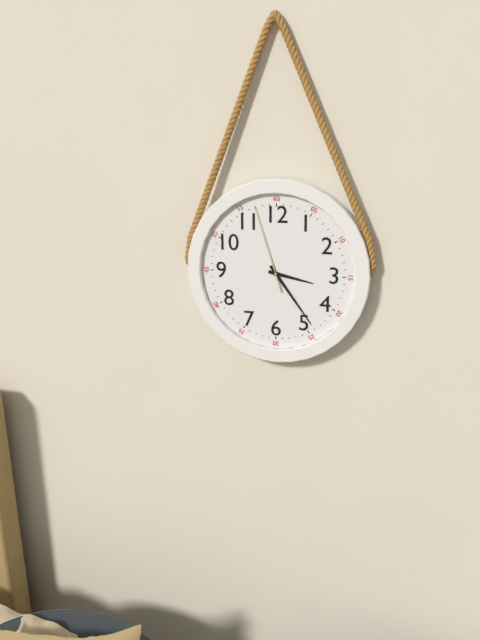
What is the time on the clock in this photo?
3:24:57
